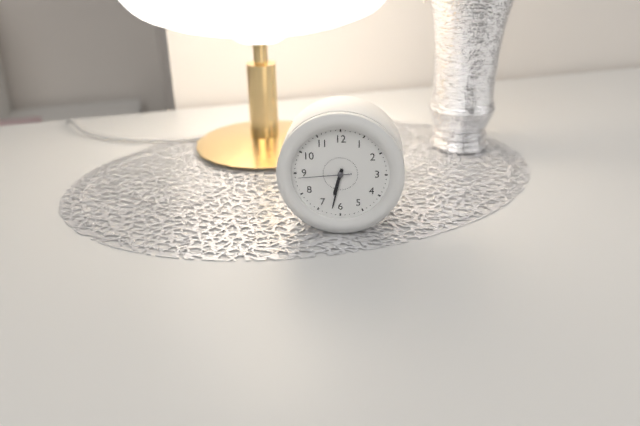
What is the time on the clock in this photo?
6:32:44
